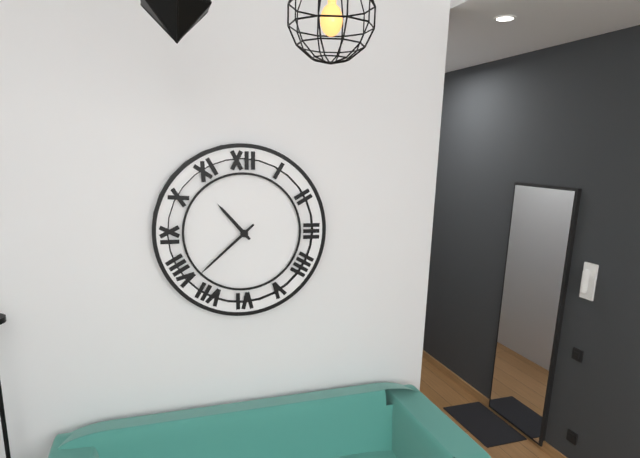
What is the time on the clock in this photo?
10:38
